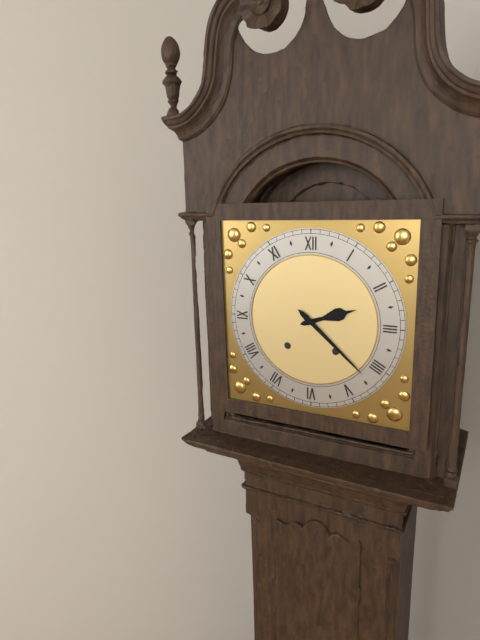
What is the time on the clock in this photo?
2:22
